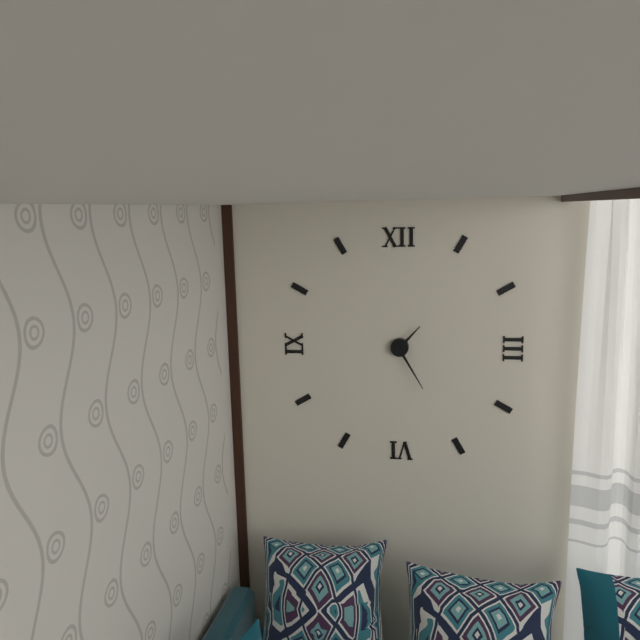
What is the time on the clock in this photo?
1:25
